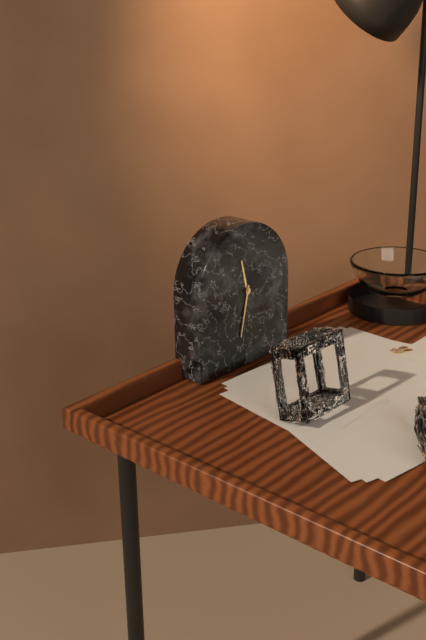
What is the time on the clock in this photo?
11:32
